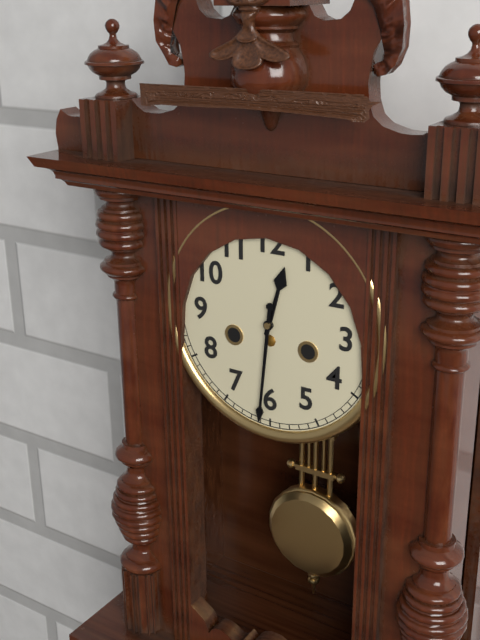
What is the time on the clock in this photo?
12:31
